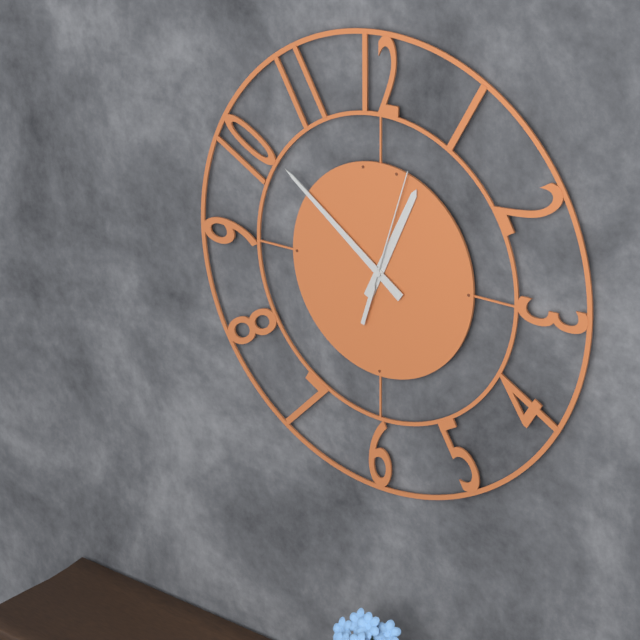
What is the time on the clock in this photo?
12:51:03
